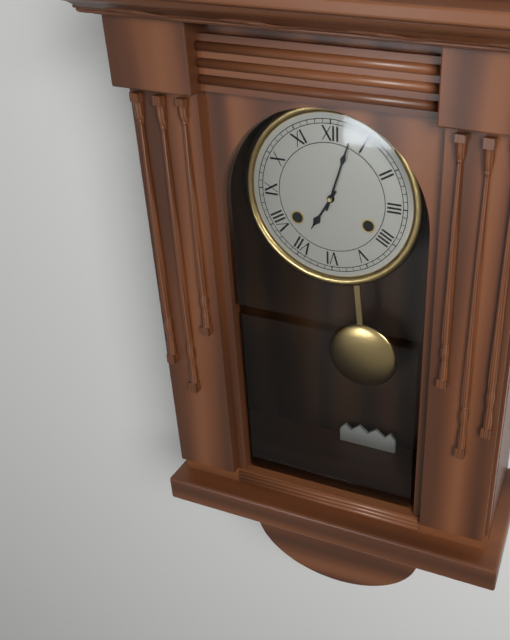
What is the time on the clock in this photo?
7:03
